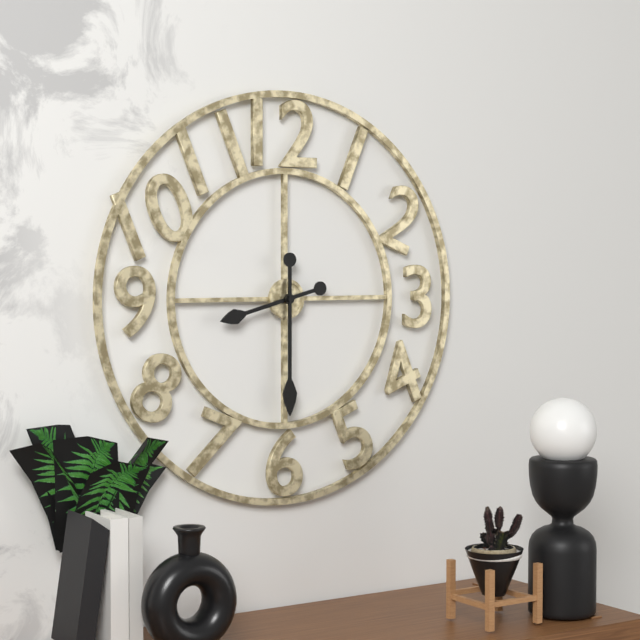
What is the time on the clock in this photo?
8:30
